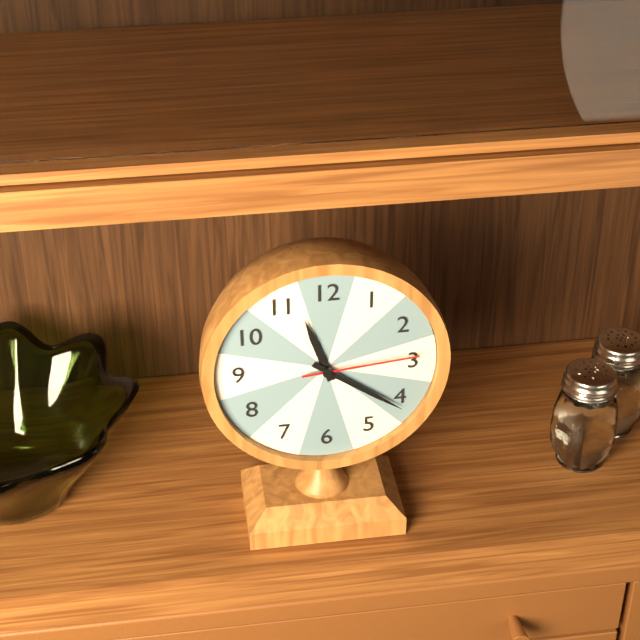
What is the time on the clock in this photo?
11:21:14
